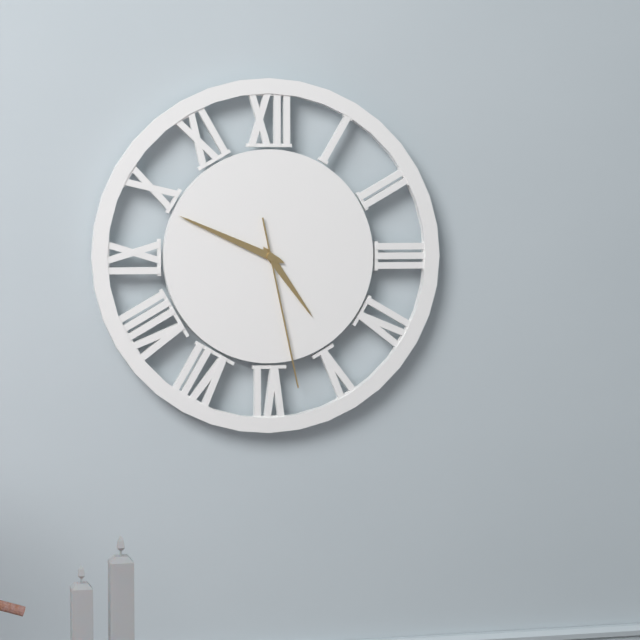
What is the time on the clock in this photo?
4:49:28
